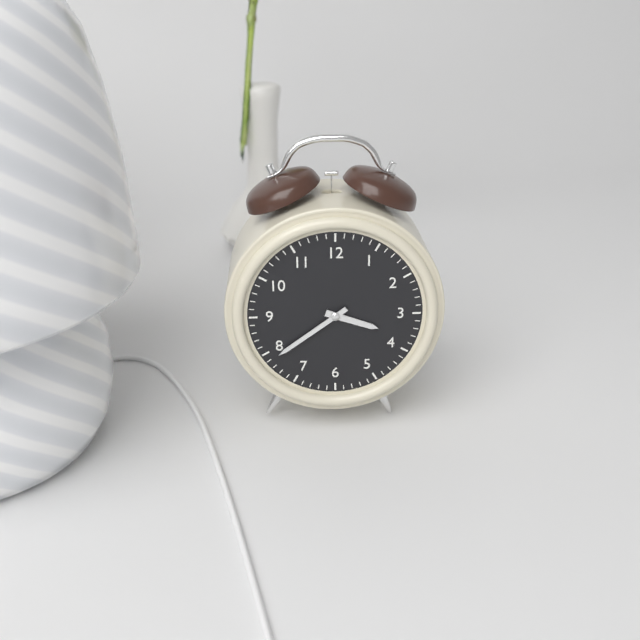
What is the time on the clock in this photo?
3:39
